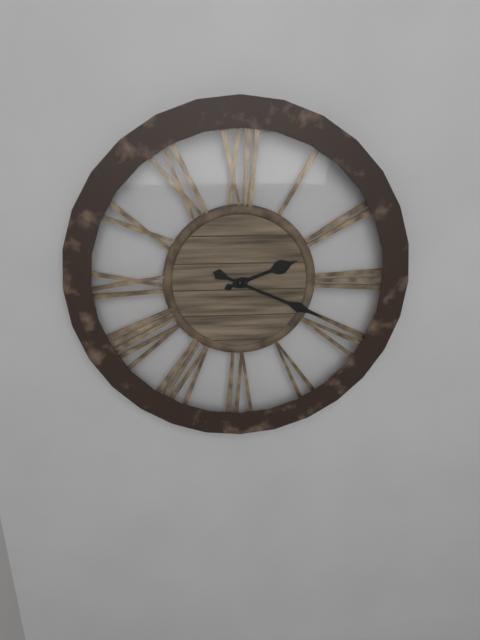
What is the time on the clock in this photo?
2:19
